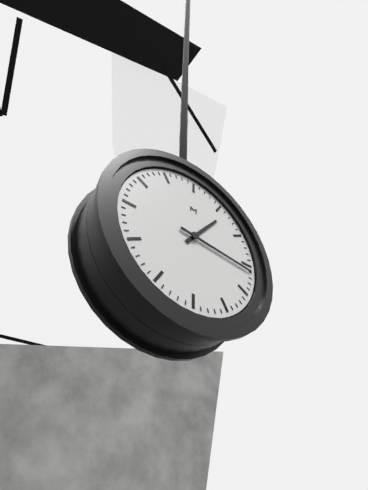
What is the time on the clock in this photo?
1:16
